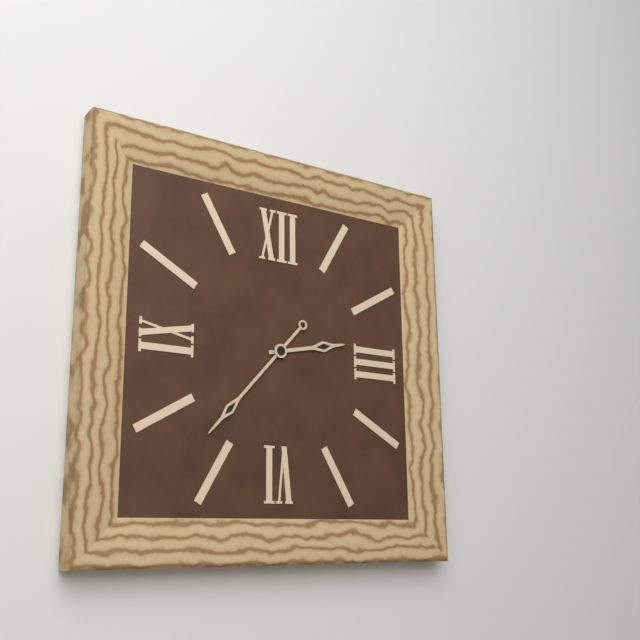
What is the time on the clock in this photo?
2:37
